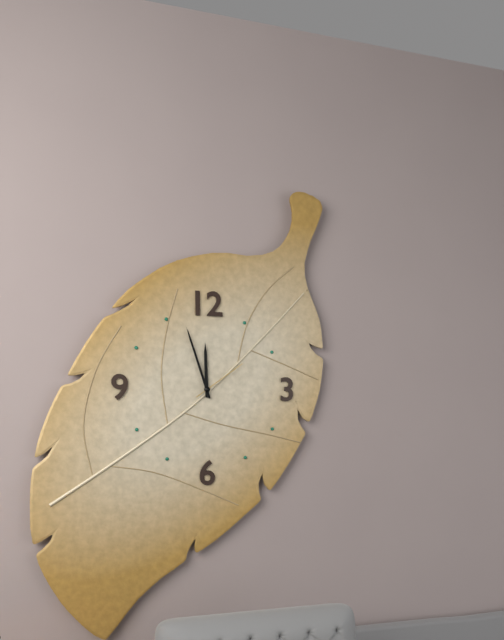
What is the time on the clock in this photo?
11:57:09
